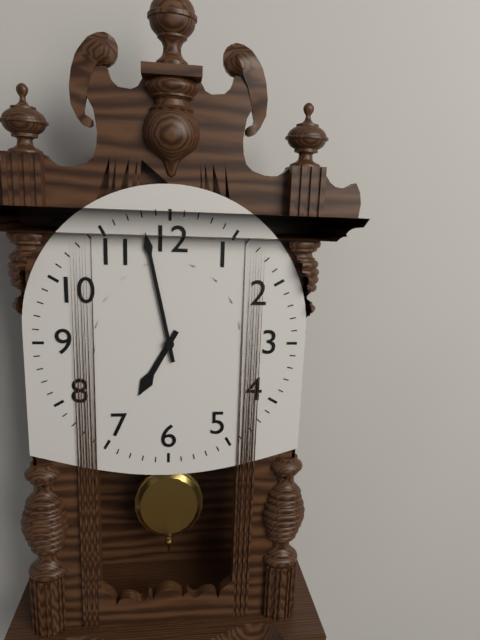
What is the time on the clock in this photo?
6:58
